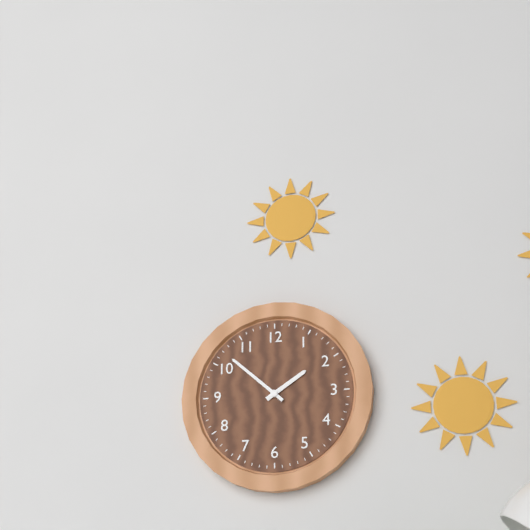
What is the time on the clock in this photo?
1:52
